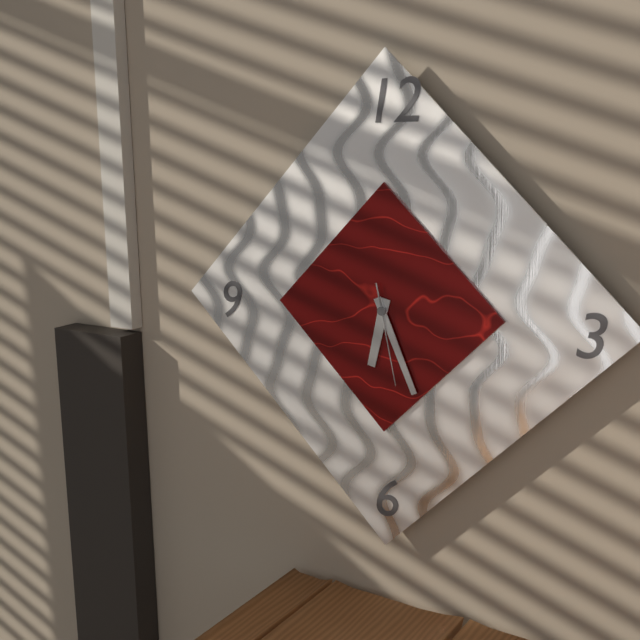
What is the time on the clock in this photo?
6:26:28
